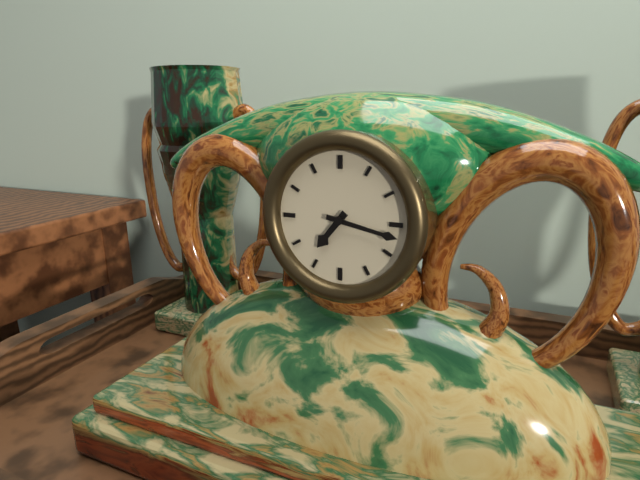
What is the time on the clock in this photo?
7:17
